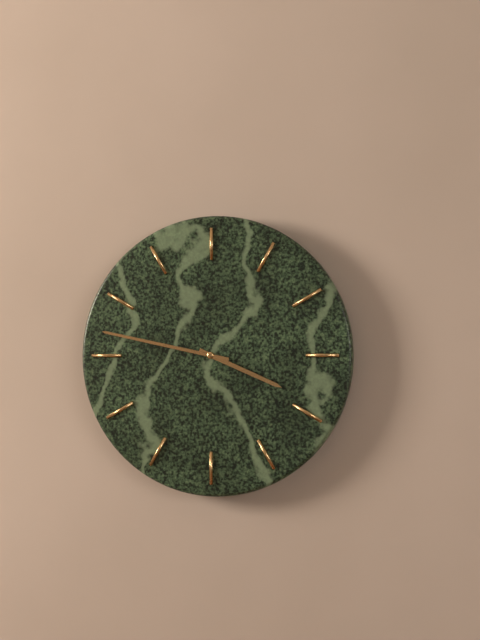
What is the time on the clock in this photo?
3:47
